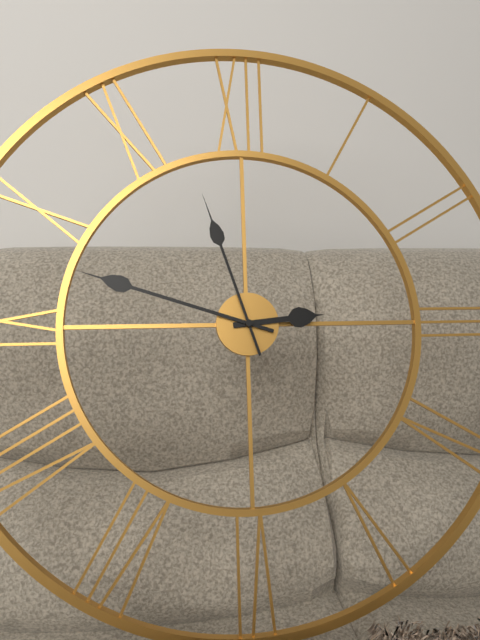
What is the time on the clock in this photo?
2:48:57
